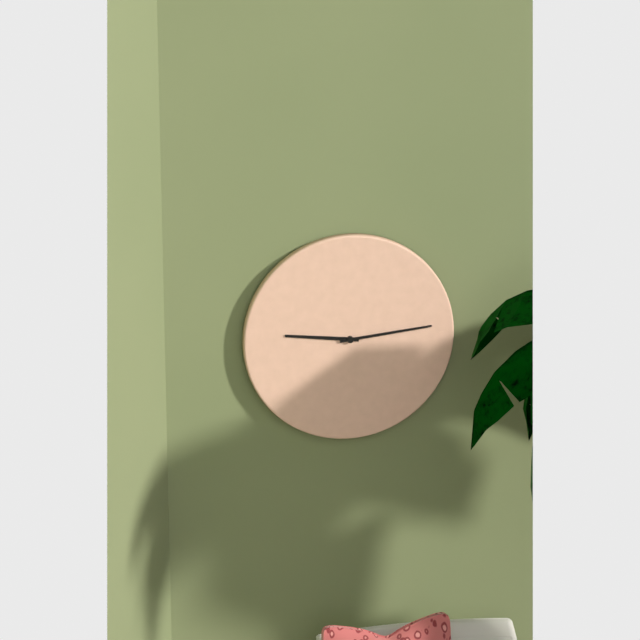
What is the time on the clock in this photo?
9:14
